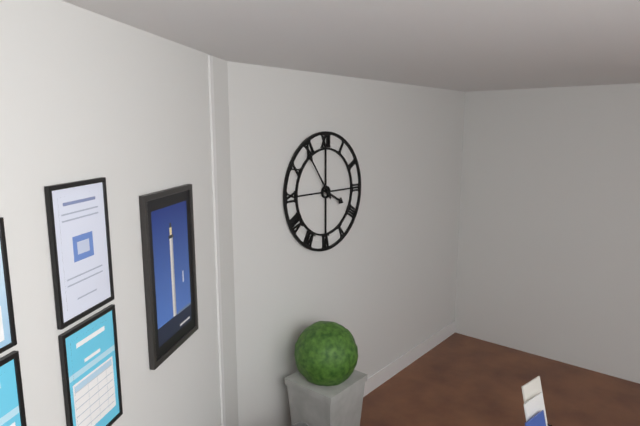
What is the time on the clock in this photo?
3:54
